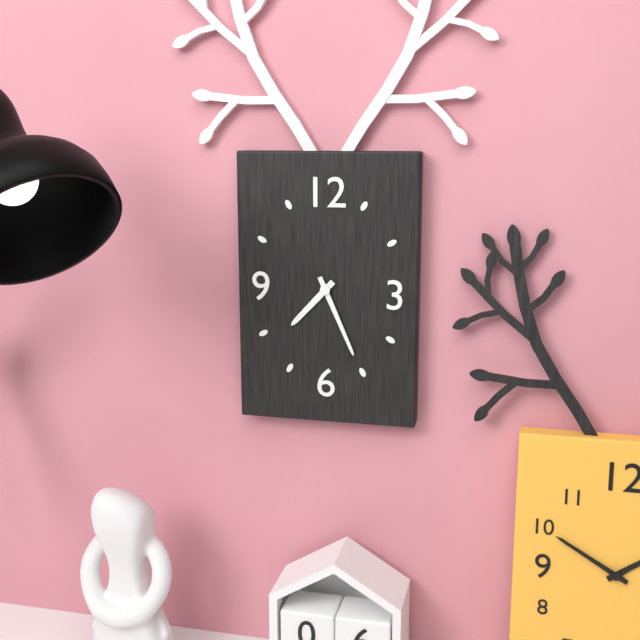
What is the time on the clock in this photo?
7:26
